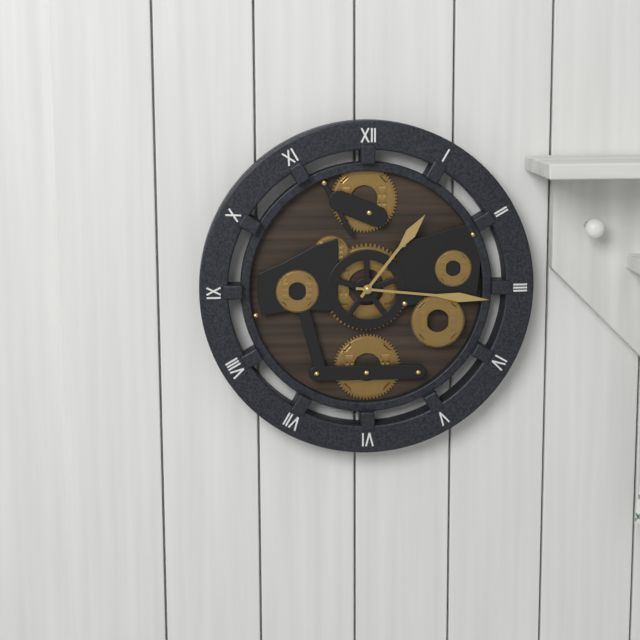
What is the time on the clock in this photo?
1:16
